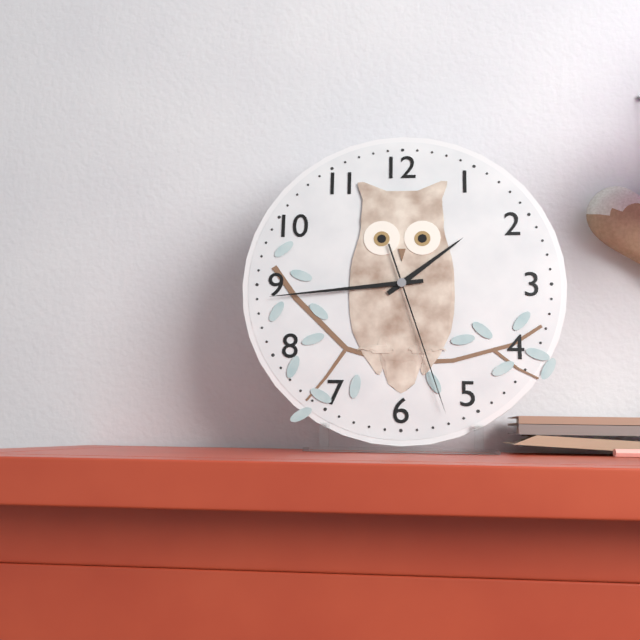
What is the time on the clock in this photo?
1:44:27
